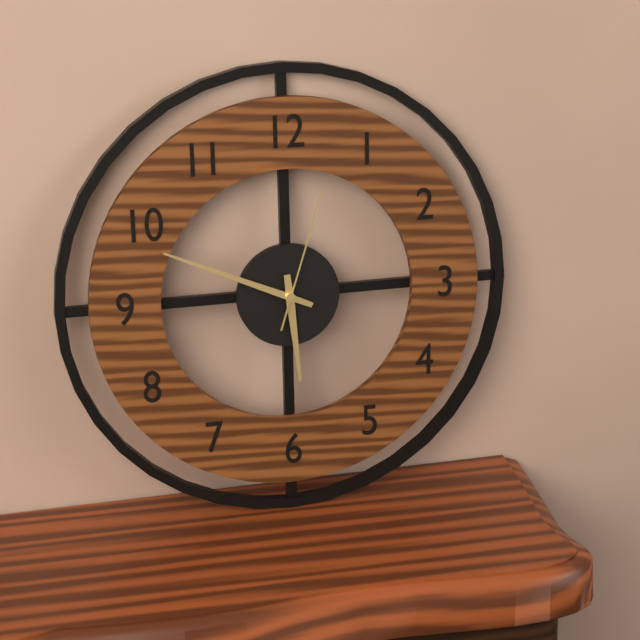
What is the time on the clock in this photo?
5:49:03
